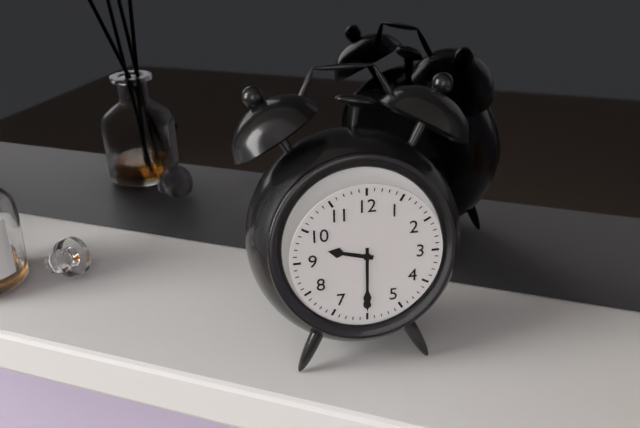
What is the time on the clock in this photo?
9:30
